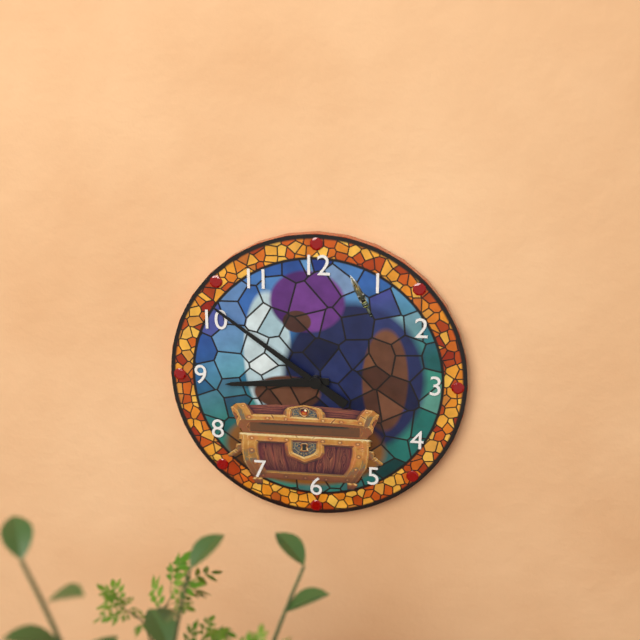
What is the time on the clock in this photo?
8:51
